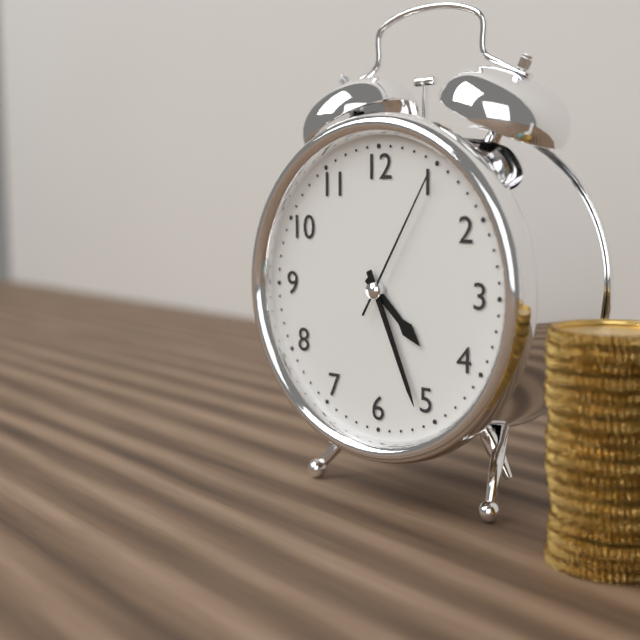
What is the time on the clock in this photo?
4:26:05
